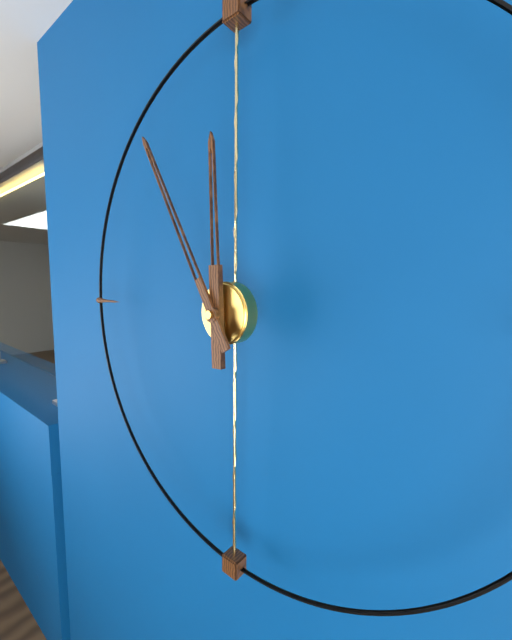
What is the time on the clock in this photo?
11:55
